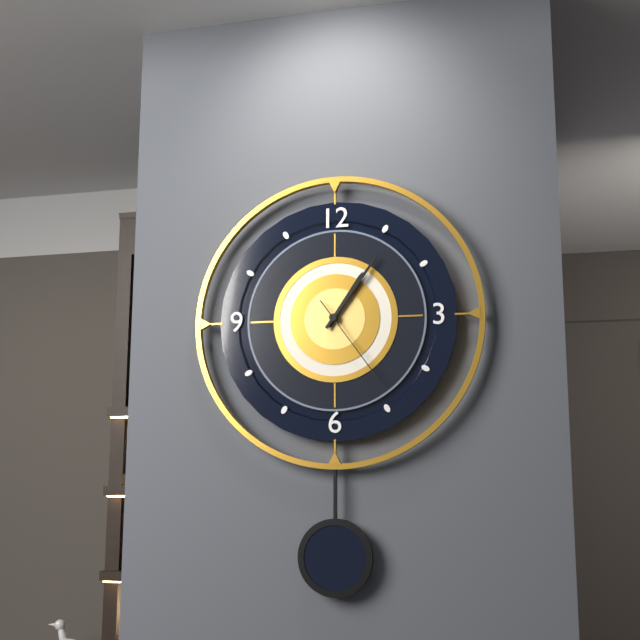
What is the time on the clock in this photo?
1:06:24
